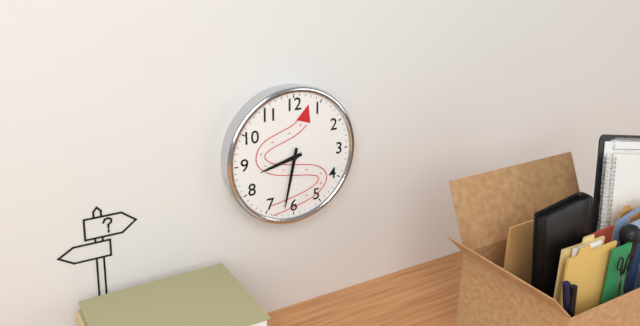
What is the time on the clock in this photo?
8:32
